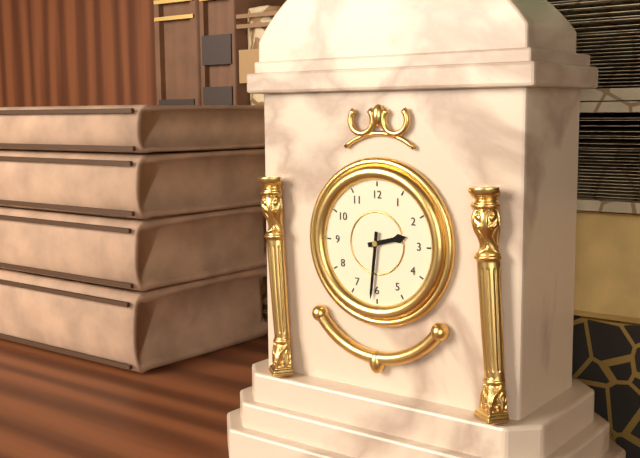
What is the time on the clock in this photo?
2:31
